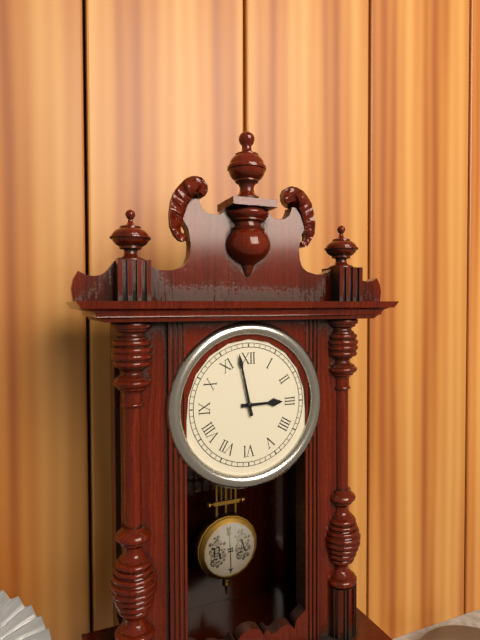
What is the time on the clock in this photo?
2:58
